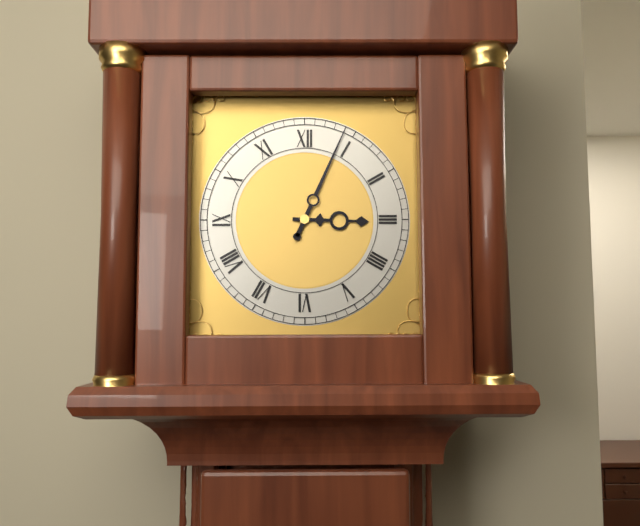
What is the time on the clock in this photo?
3:04
